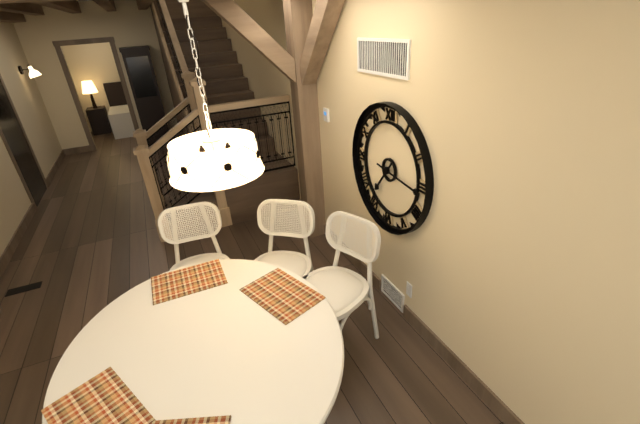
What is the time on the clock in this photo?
7:16
